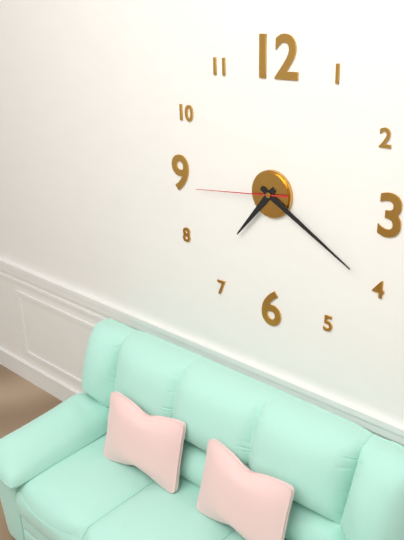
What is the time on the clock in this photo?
7:20:44
